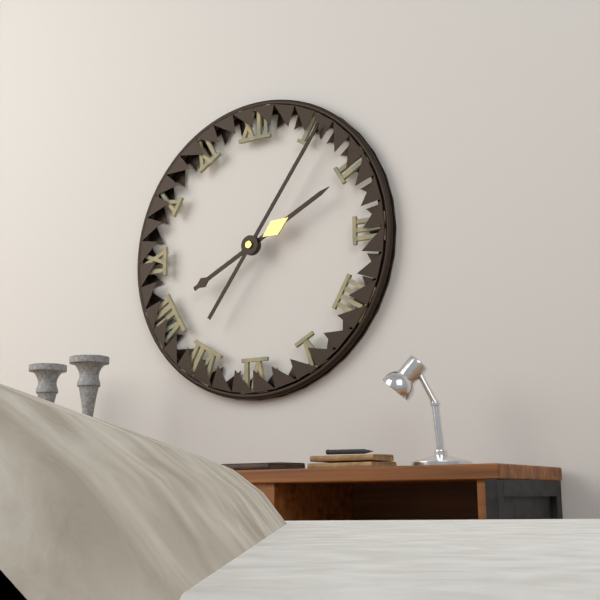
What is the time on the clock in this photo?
2:06
